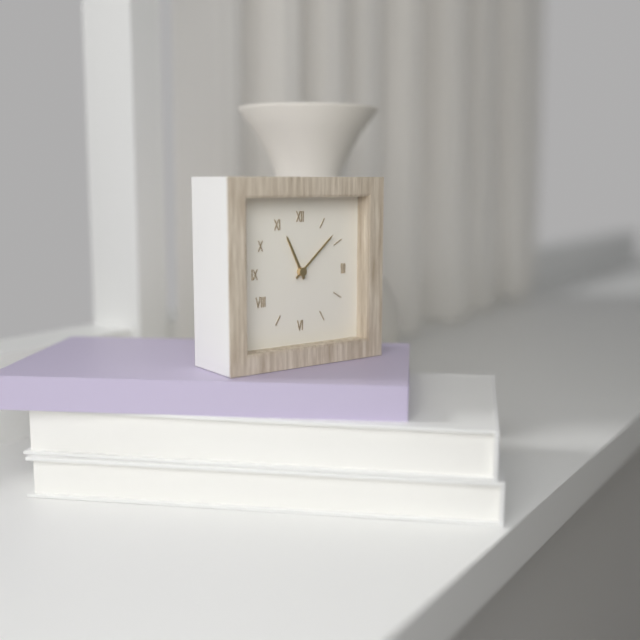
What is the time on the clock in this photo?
11:08
